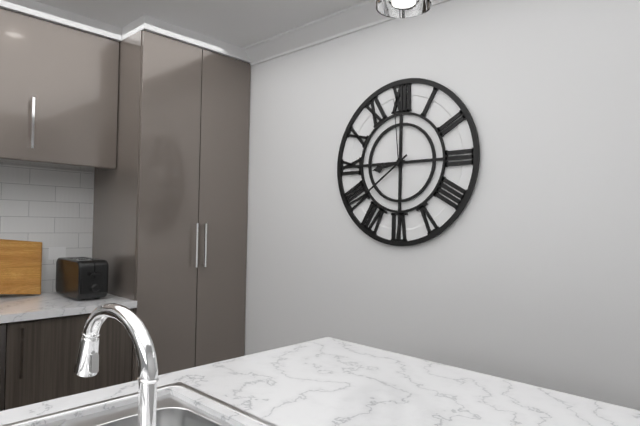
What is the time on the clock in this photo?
8:39:59
